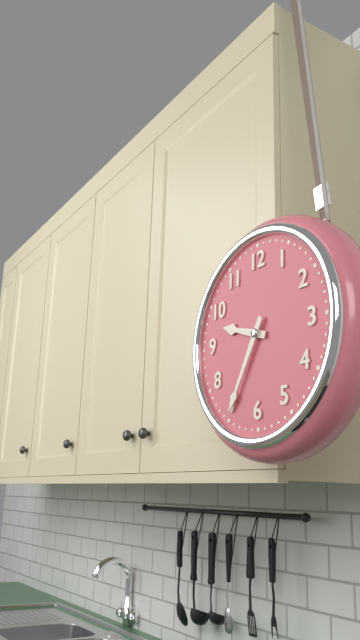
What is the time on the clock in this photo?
9:35
